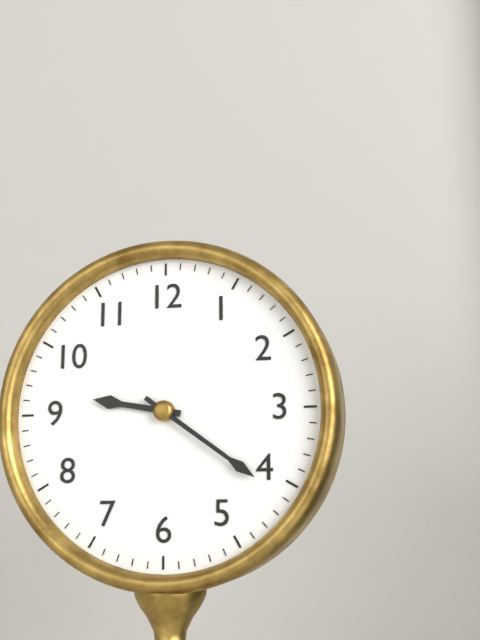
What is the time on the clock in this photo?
9:21
